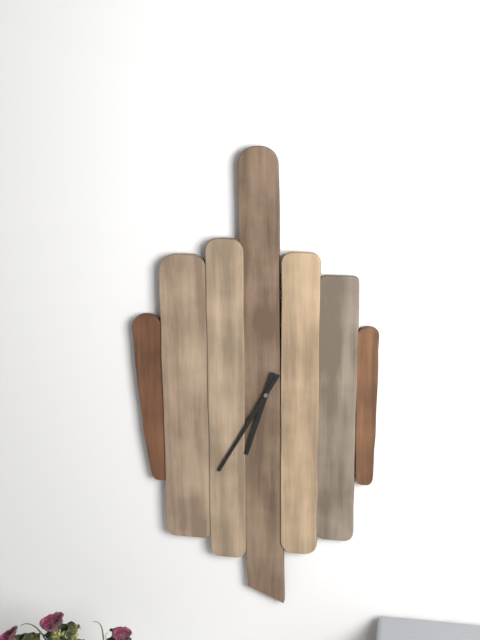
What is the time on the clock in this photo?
6:35
